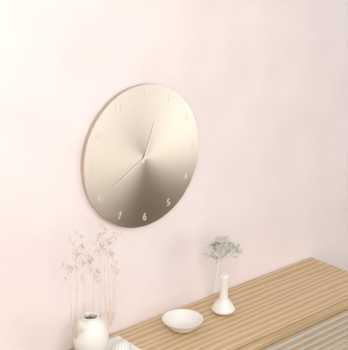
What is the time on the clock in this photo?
12:40
